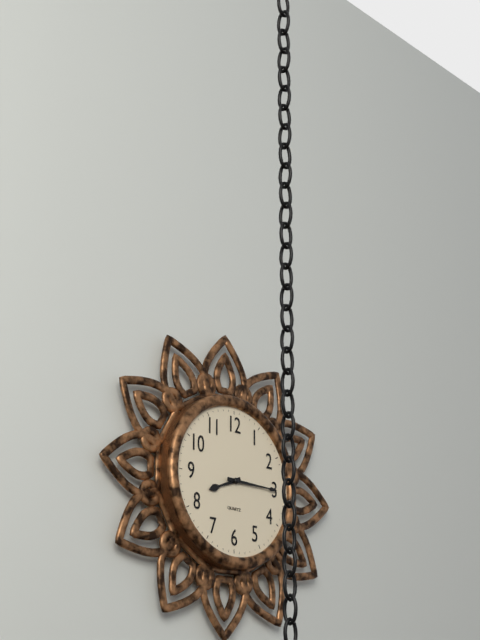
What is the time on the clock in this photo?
8:15
